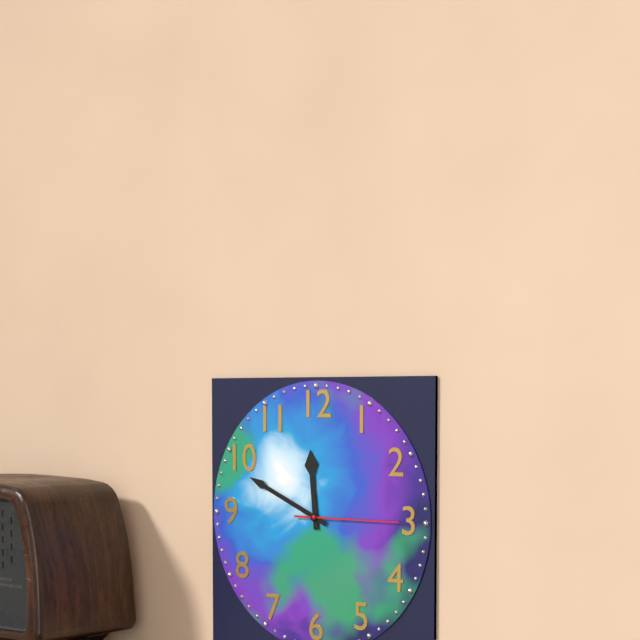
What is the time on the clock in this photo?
11:49:15
